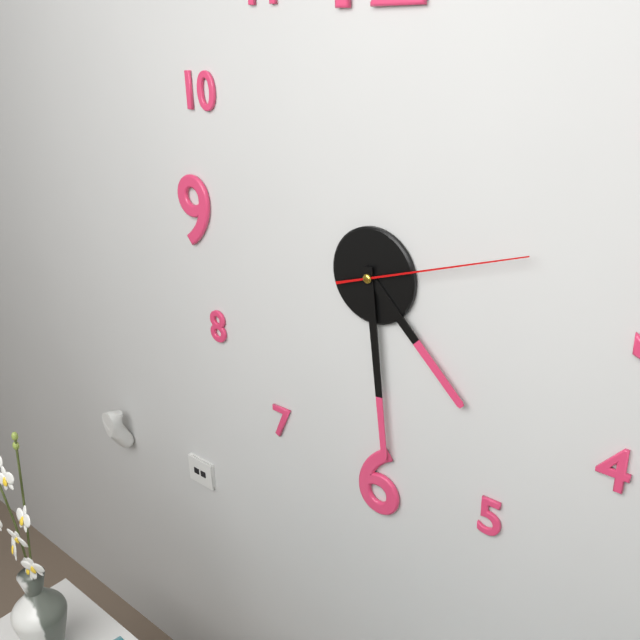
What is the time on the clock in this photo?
4:29:12
